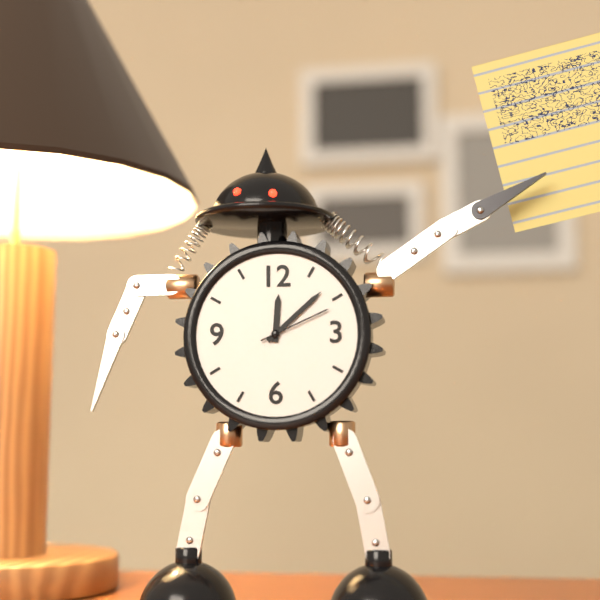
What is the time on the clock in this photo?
12:08:11
